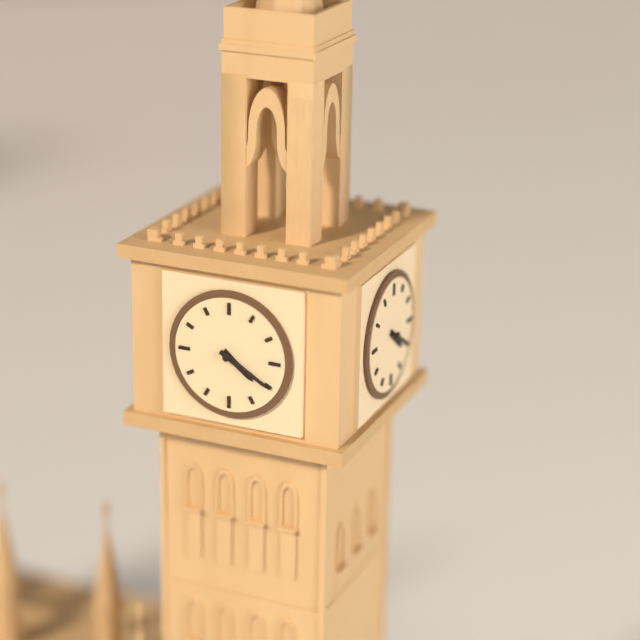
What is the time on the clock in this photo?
4:20
